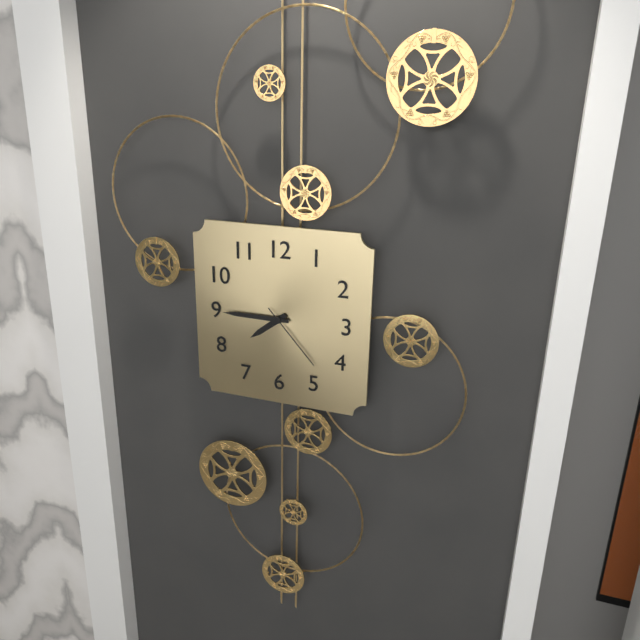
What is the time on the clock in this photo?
7:45:23
